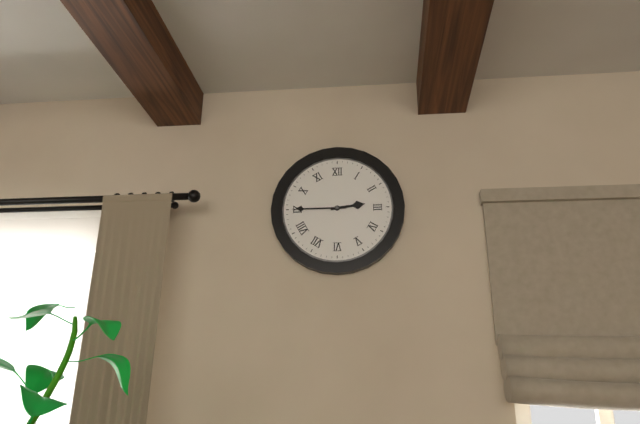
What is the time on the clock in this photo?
2:45
